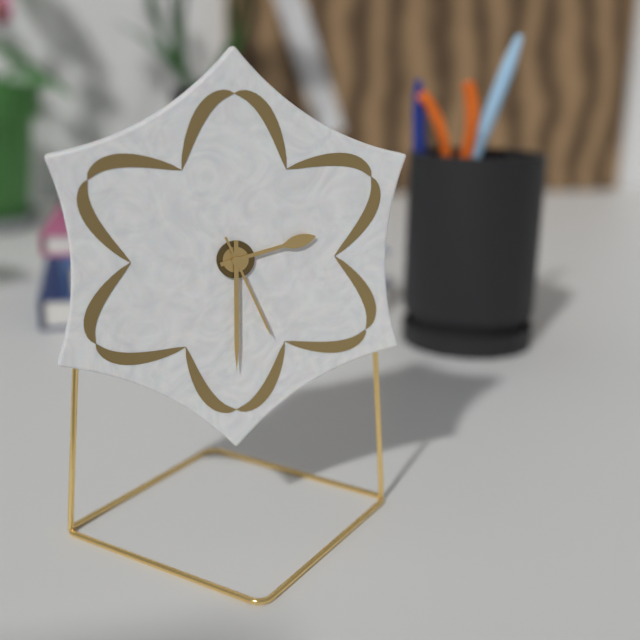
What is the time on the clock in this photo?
2:30:26
